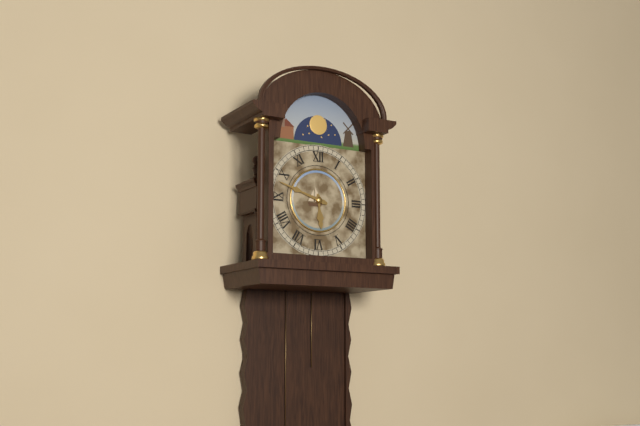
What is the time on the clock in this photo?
5:48
